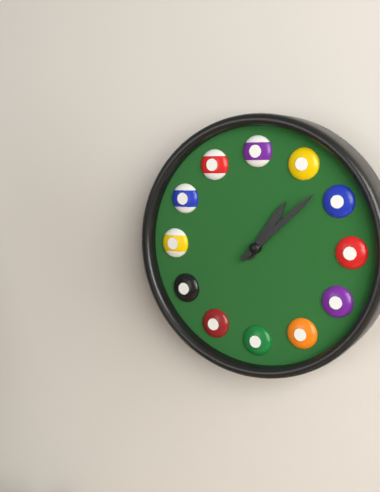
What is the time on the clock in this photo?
1:08
